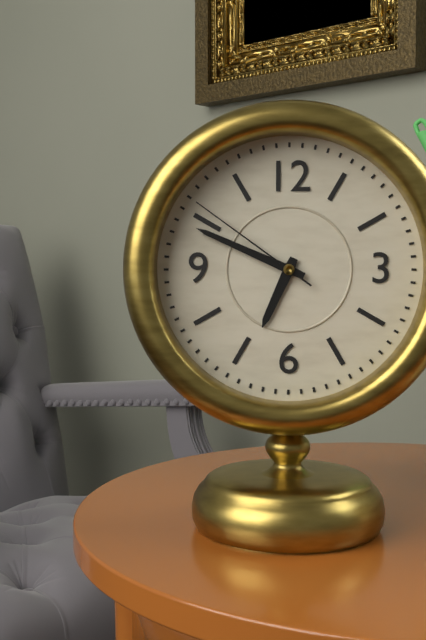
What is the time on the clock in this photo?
6:49:51
